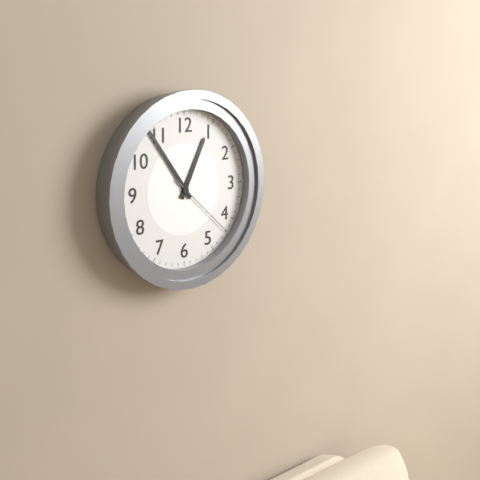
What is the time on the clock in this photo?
12:54:22
